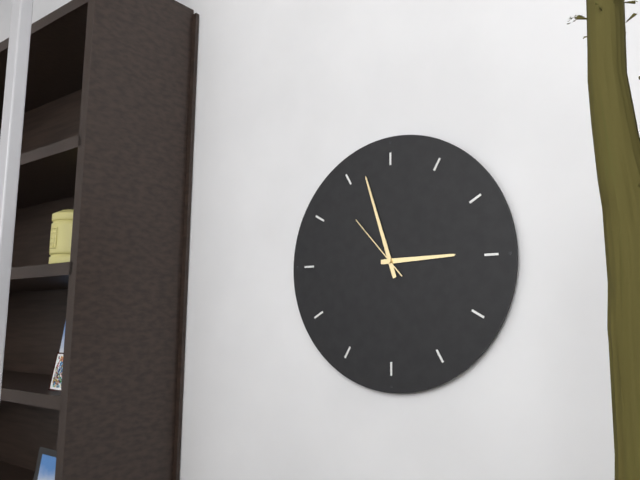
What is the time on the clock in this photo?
2:57:53
